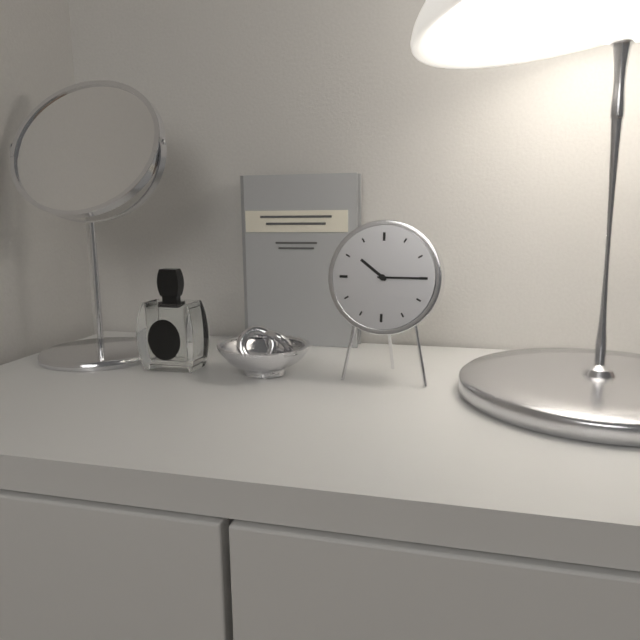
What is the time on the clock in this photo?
10:15
